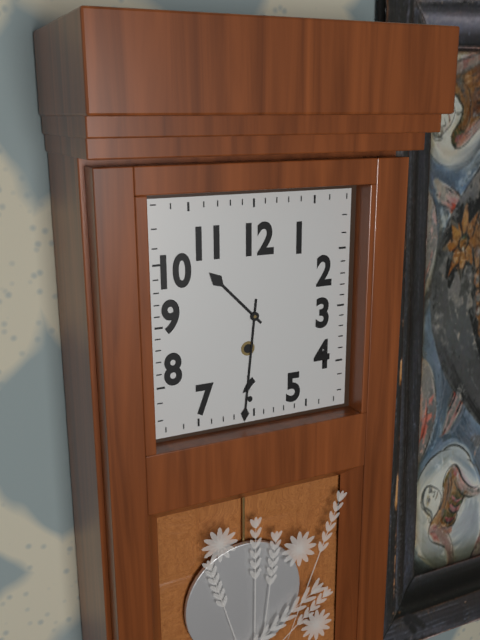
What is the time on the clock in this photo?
10:31
